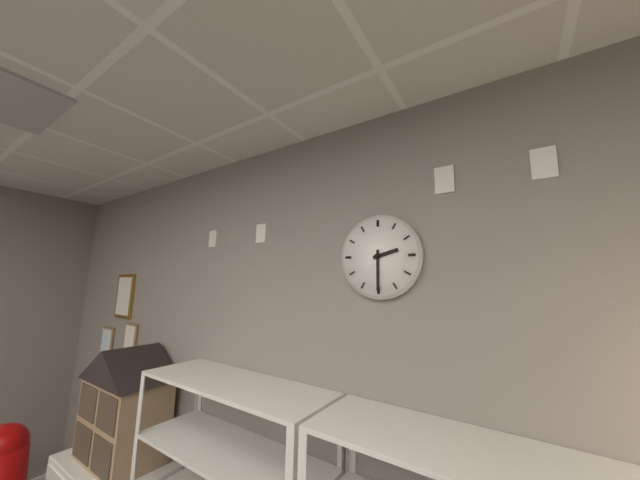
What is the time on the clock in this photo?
2:30
